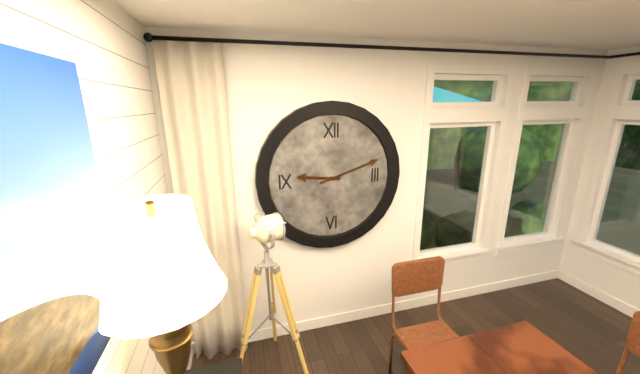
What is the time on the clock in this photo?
9:12
